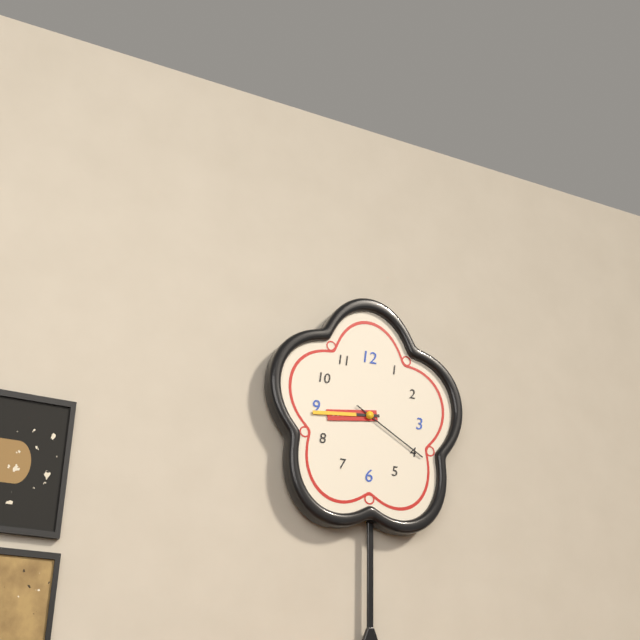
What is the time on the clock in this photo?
8:44:20
